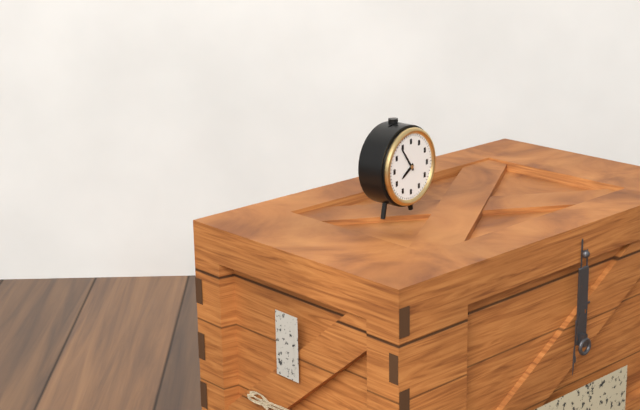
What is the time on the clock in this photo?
7:54
